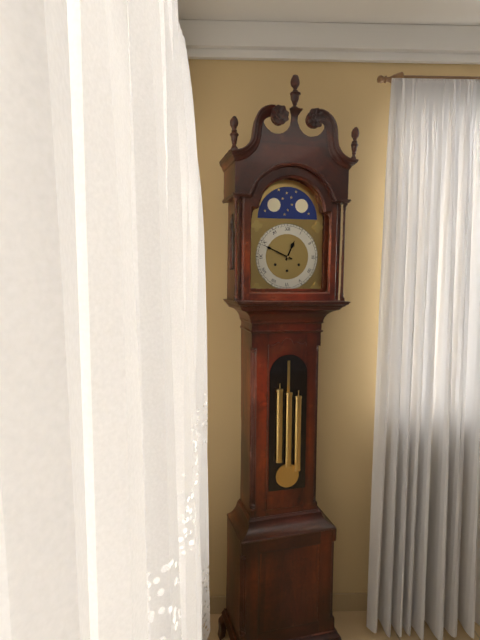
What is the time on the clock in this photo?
12:49
